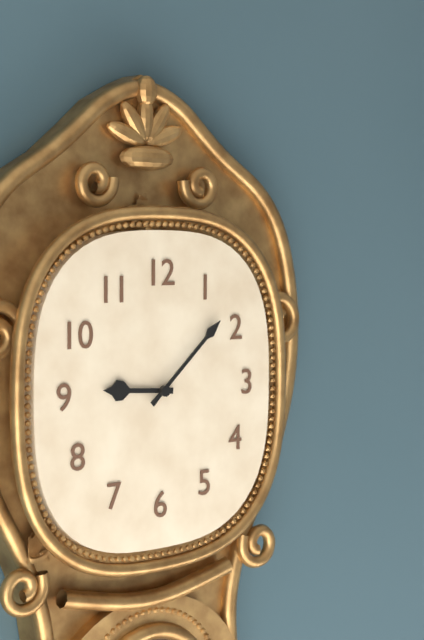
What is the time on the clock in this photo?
9:08
